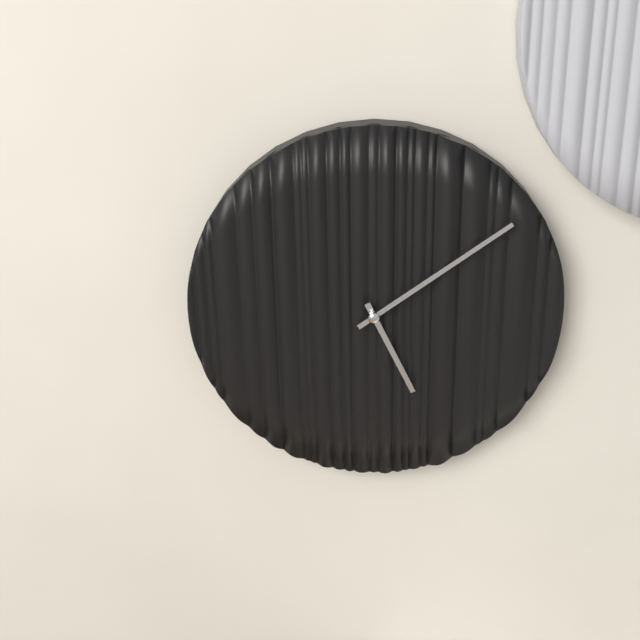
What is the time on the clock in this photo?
5:09
